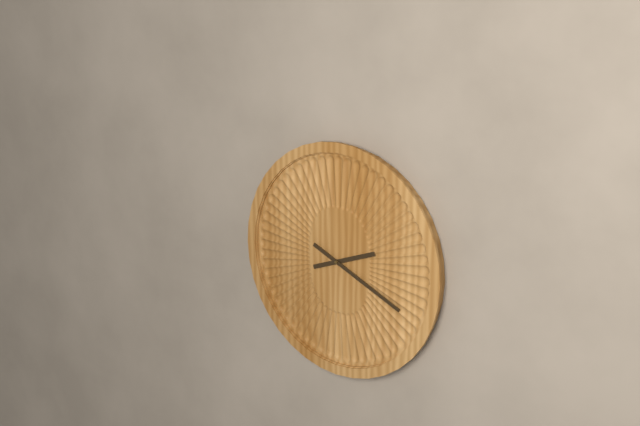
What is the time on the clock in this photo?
2:19
